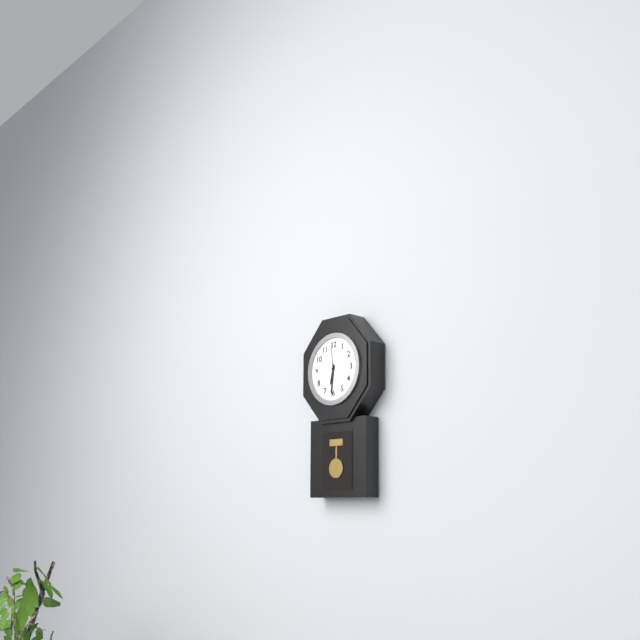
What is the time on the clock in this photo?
6:31
